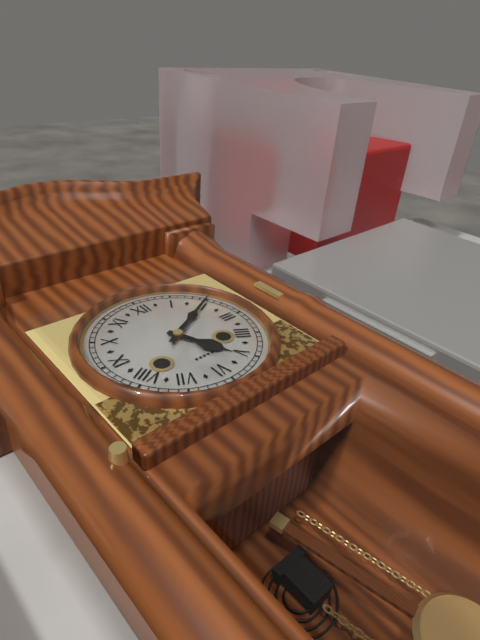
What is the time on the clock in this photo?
5:10
